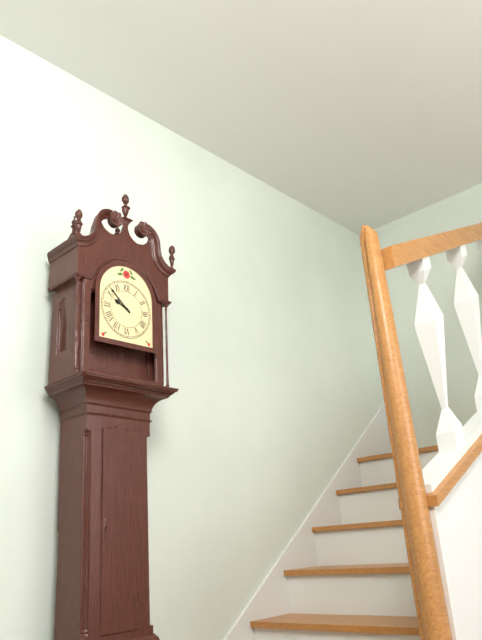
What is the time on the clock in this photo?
9:52
